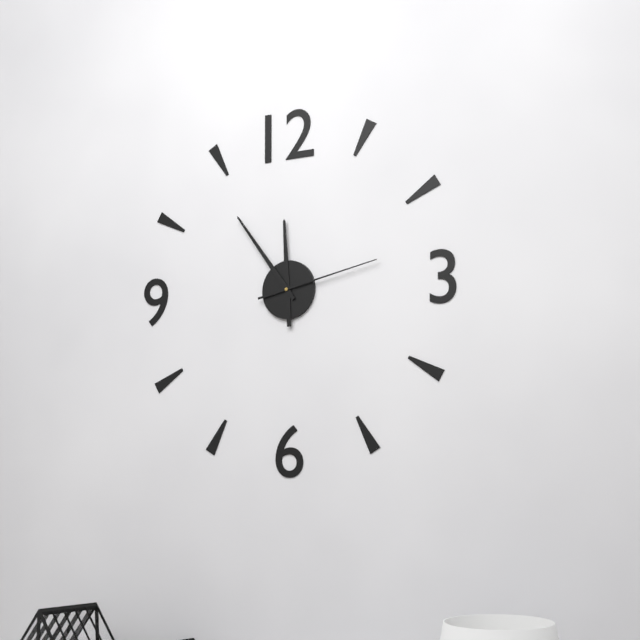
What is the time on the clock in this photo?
11:54:13
